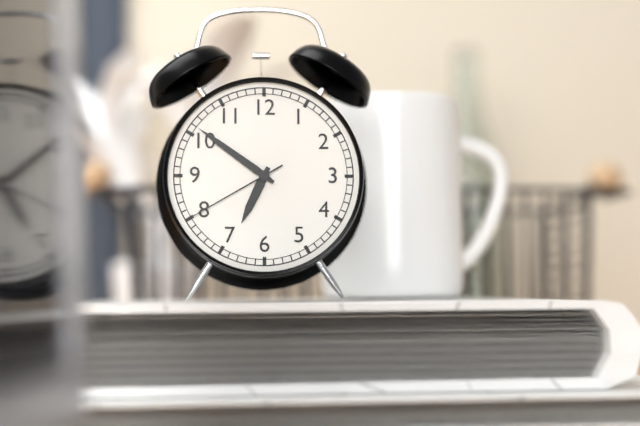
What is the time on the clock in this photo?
6:51:40
